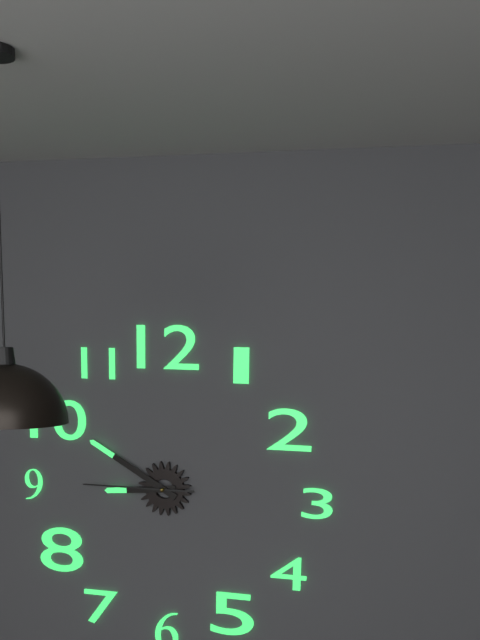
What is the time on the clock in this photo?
8:50:45
